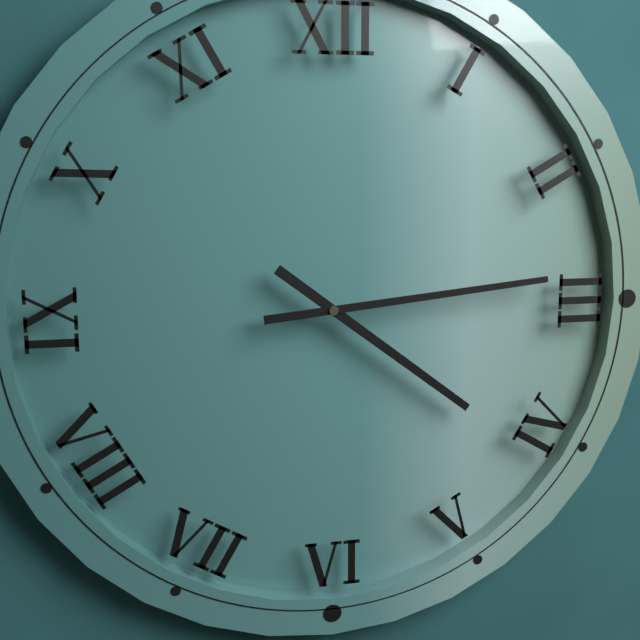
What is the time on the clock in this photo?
4:14
